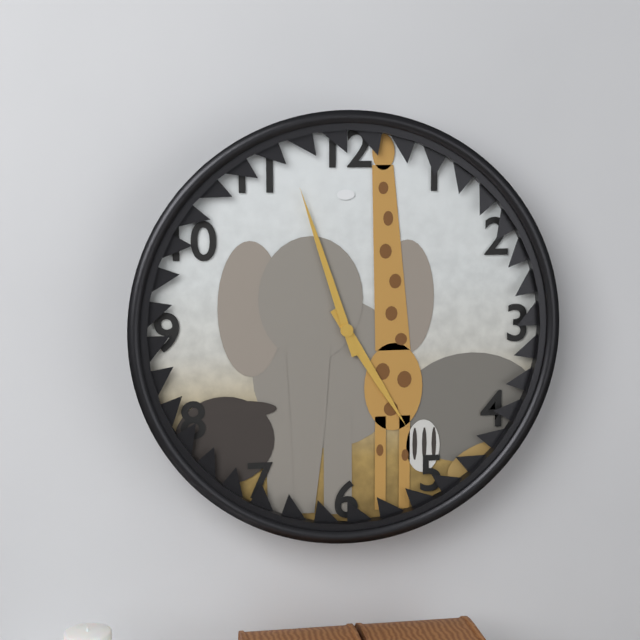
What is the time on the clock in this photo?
4:57
